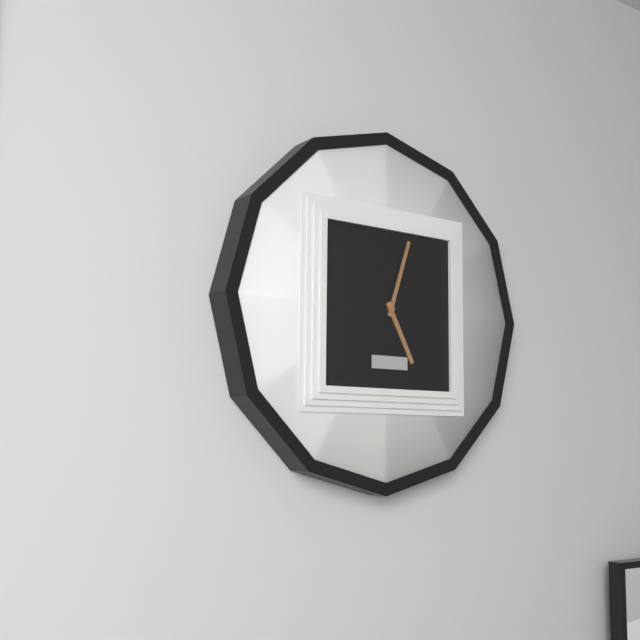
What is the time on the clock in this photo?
5:03
